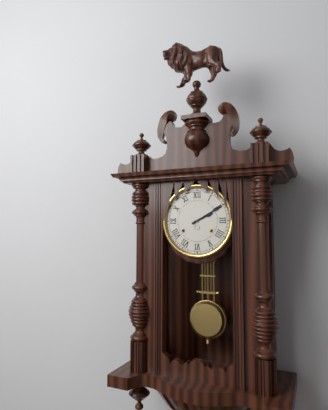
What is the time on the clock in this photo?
2:10
